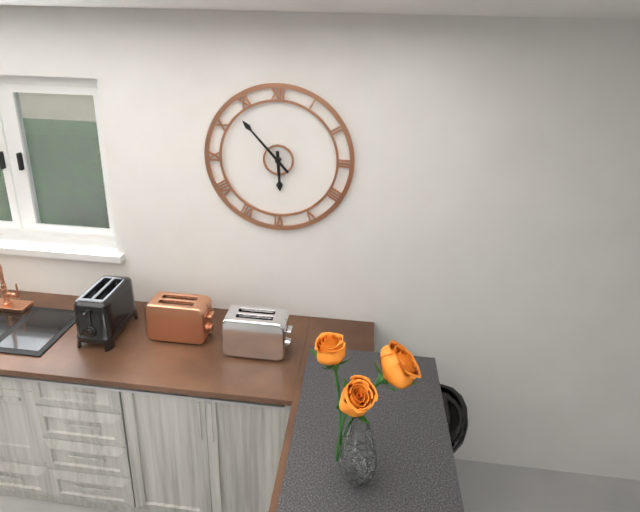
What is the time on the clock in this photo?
5:53
